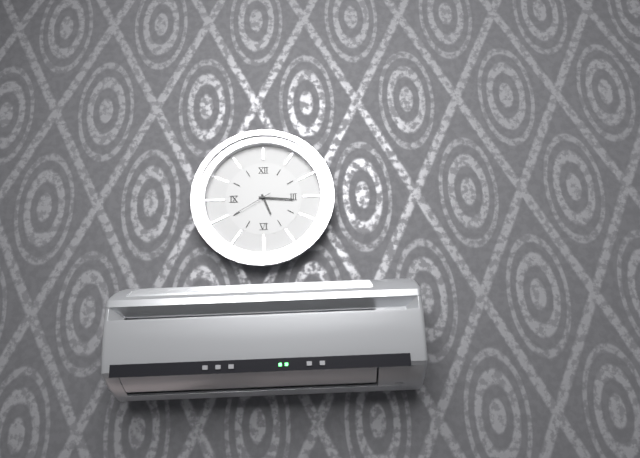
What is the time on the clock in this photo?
5:16
